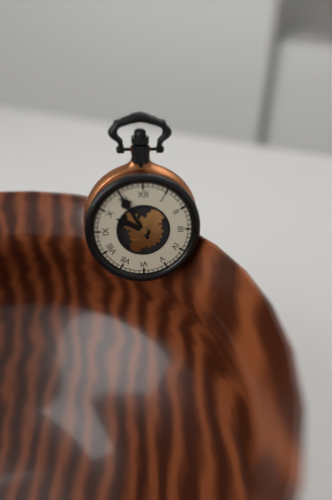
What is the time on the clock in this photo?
9:55
